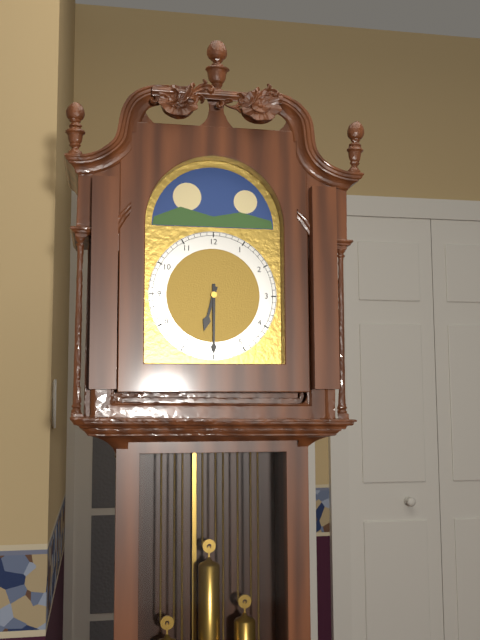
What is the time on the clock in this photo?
6:30
